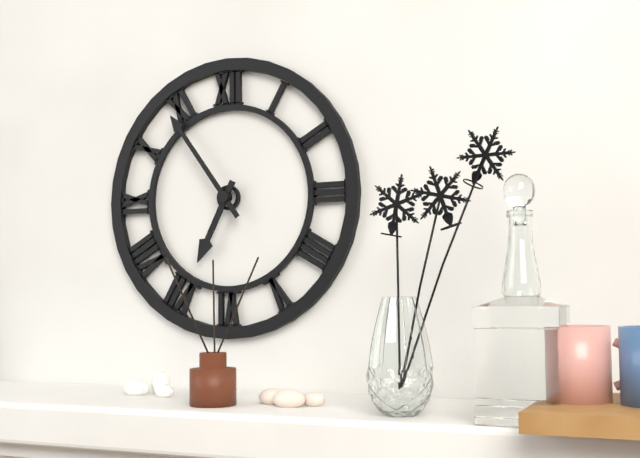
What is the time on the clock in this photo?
6:54
